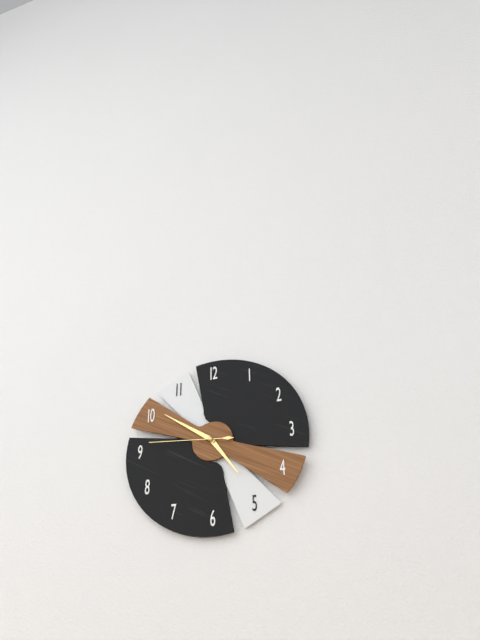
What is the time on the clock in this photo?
4:51:46
